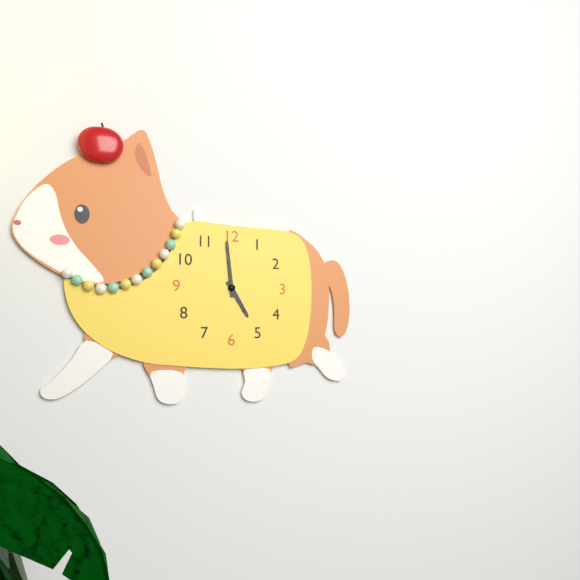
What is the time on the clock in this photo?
4:59
